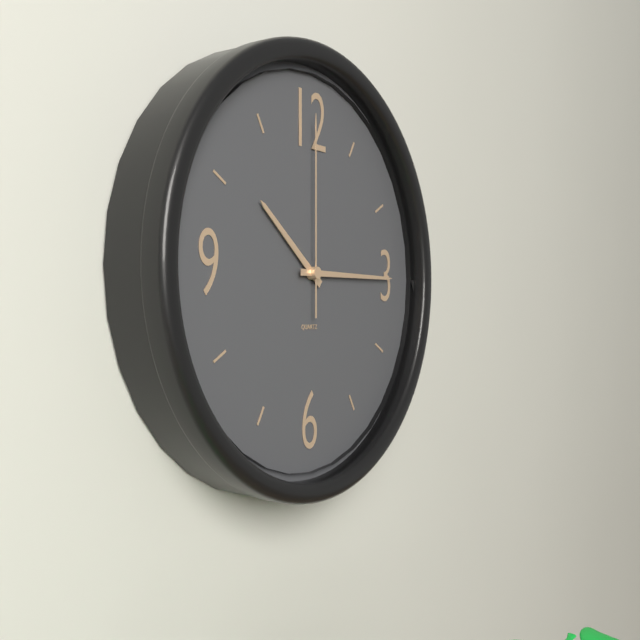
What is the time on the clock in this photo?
10:15:00
